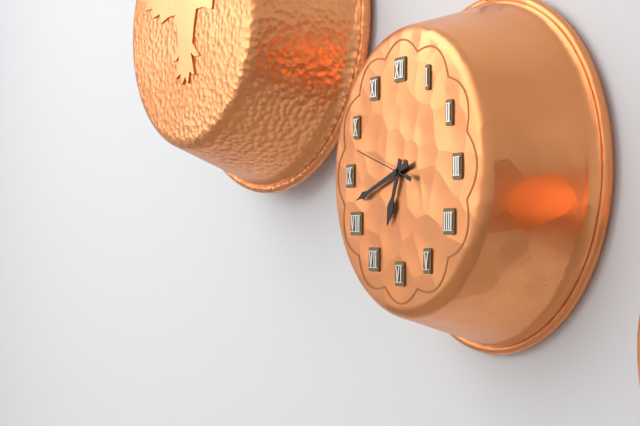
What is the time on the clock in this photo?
6:42:48
